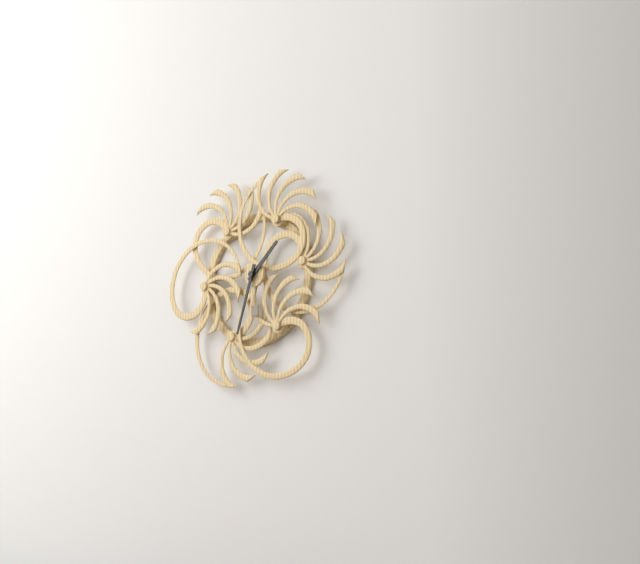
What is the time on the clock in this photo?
1:33
